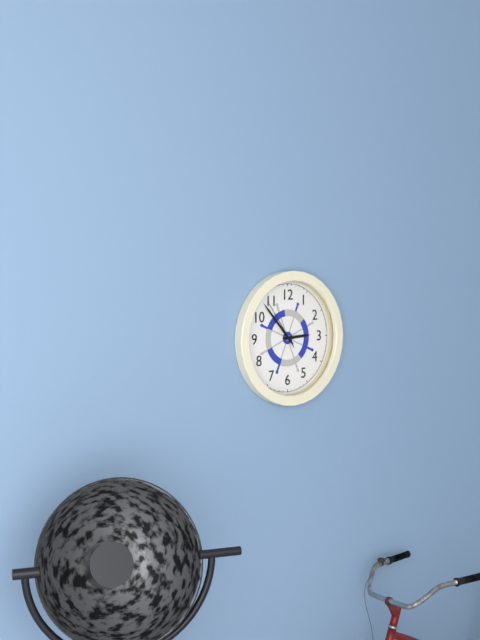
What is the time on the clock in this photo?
2:53:54
